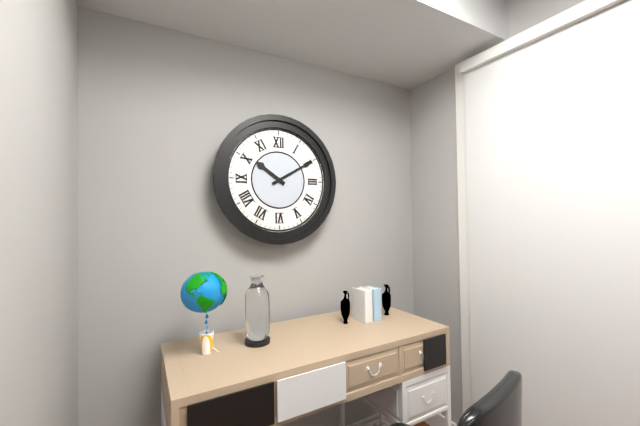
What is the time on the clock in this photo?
10:10
